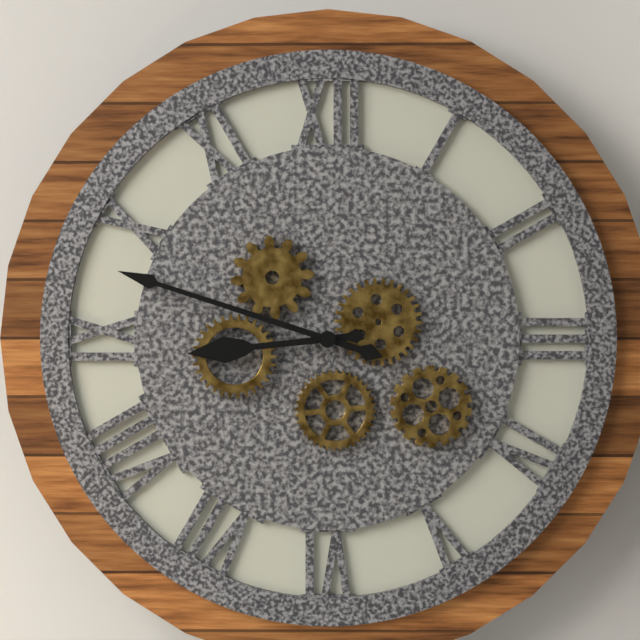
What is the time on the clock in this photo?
8:48
